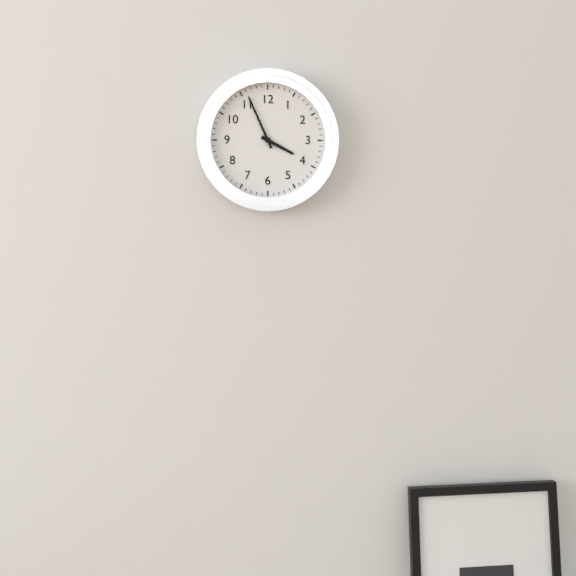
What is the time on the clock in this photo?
3:56
